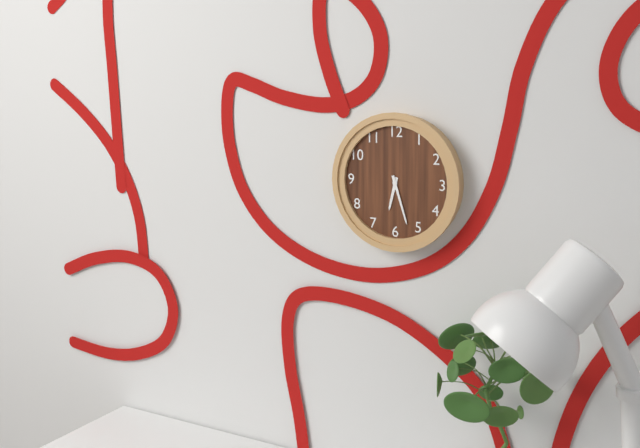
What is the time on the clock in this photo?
6:27
